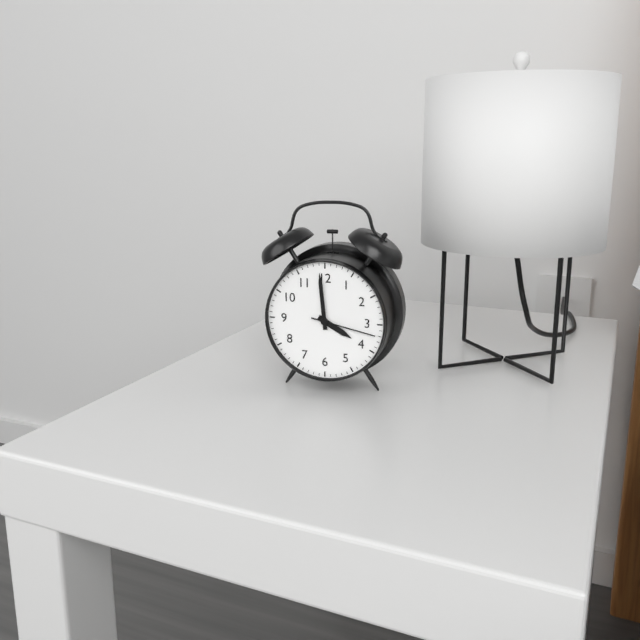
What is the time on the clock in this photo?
3:59:17
